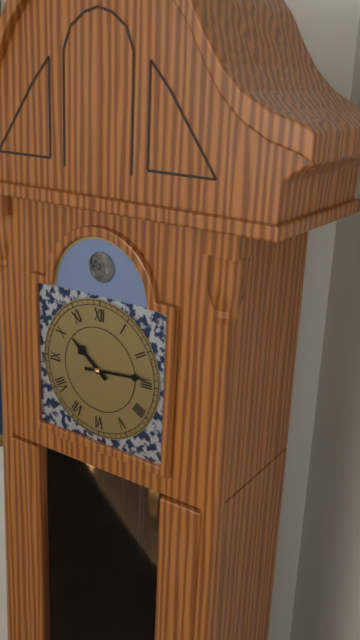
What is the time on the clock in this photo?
10:14
